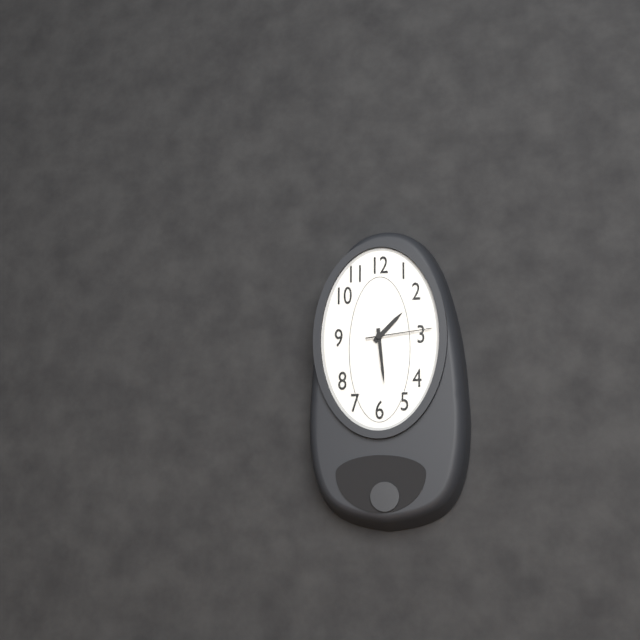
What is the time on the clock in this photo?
1:29:14
